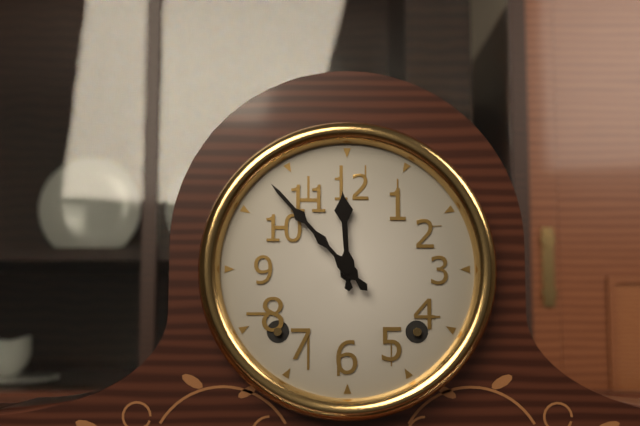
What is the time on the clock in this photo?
11:53
